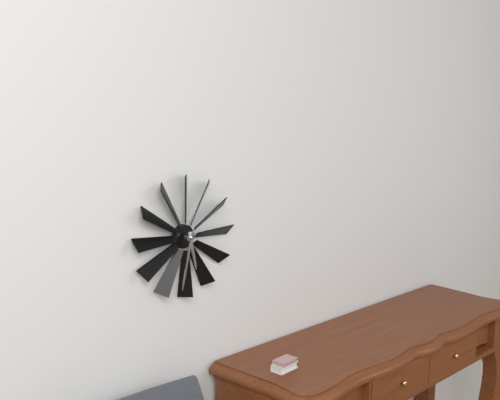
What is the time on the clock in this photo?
5:32
